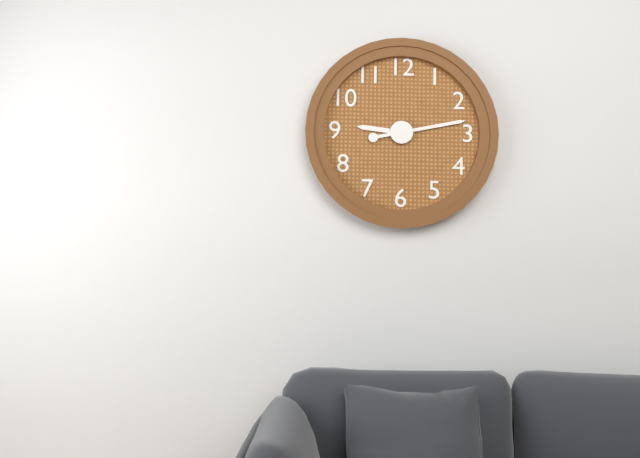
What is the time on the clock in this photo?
9:13
